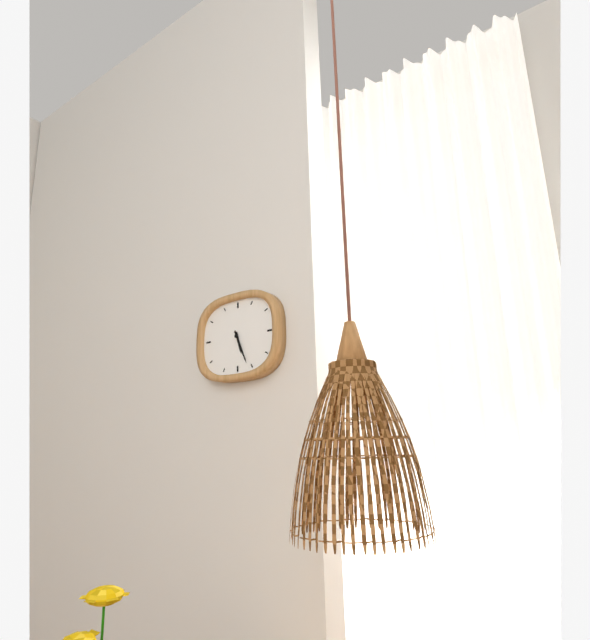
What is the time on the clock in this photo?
5:26
